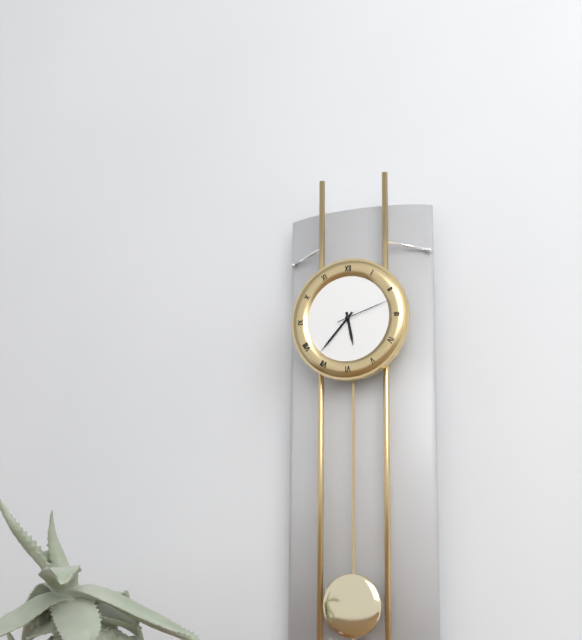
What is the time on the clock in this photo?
5:37:12
